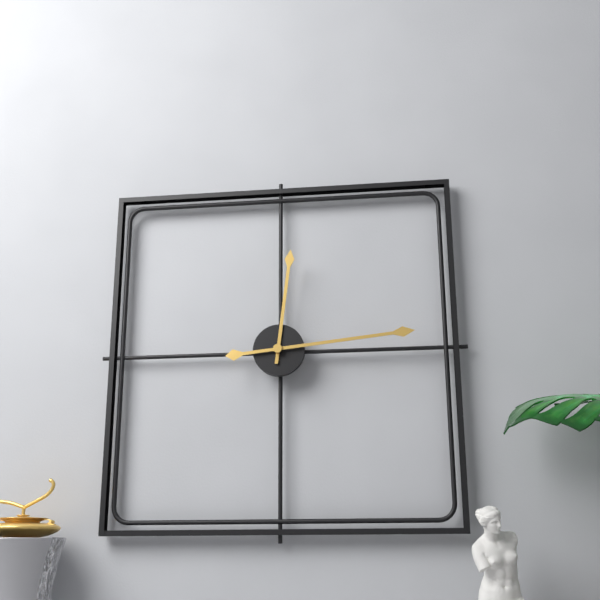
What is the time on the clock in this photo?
12:14
